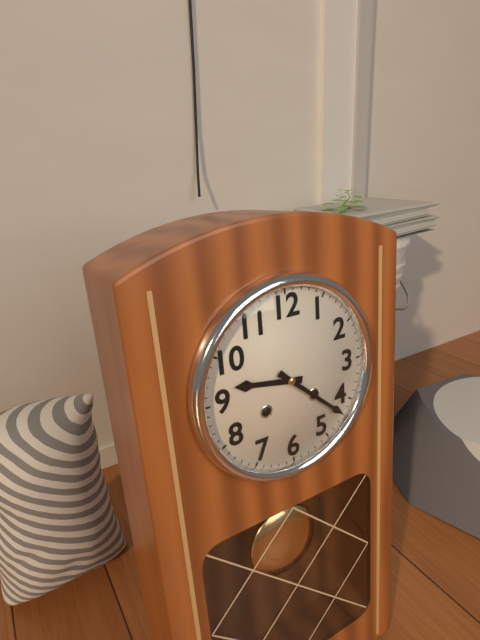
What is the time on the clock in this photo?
9:22
